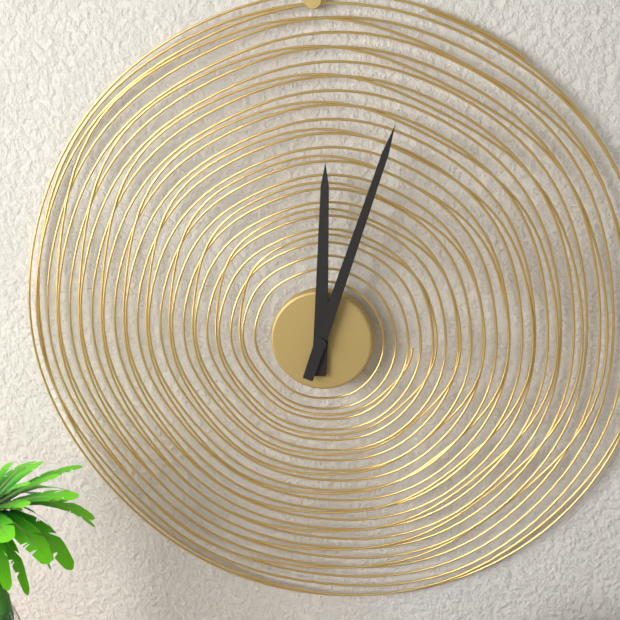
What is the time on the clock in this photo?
12:03
